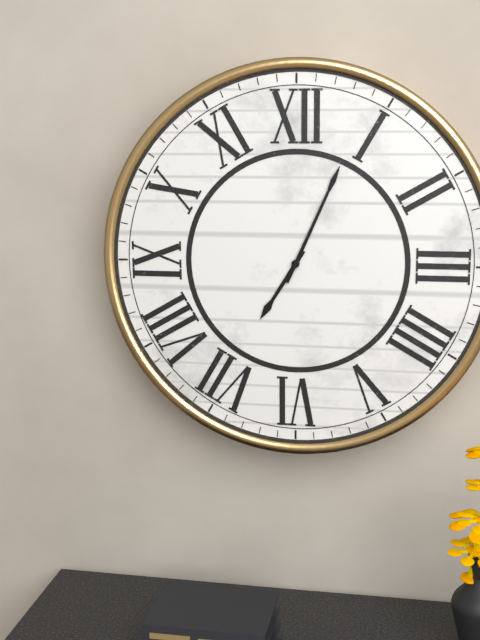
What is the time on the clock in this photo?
7:04
